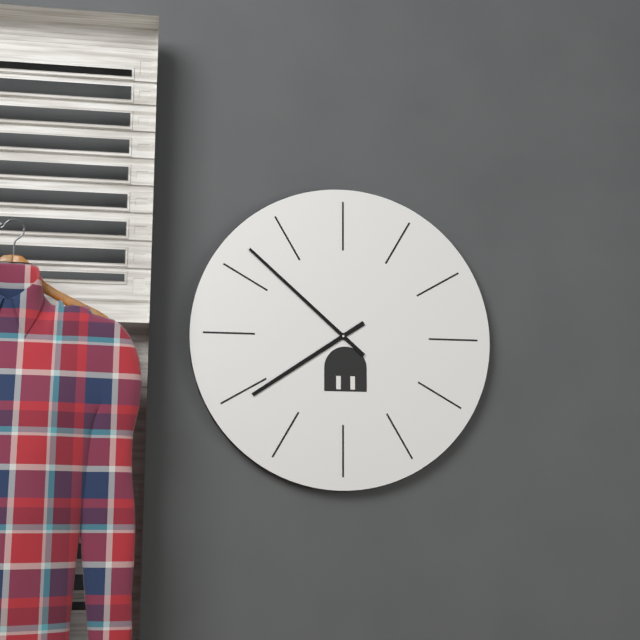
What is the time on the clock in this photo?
7:52
